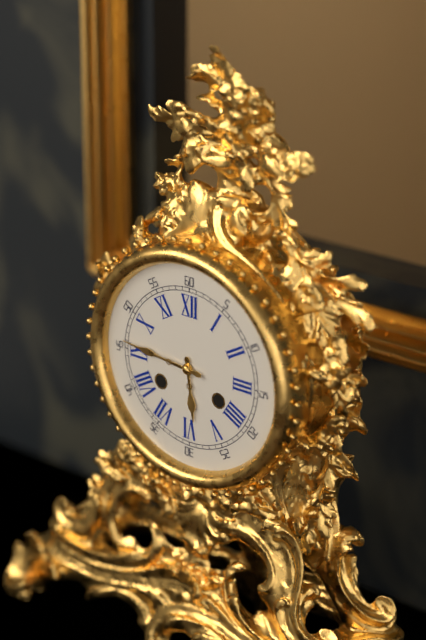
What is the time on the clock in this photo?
5:46
